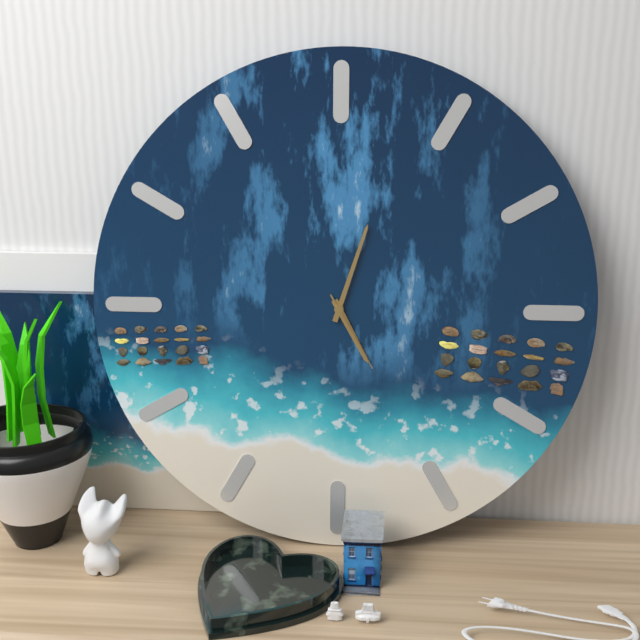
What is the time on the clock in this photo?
5:03:25
